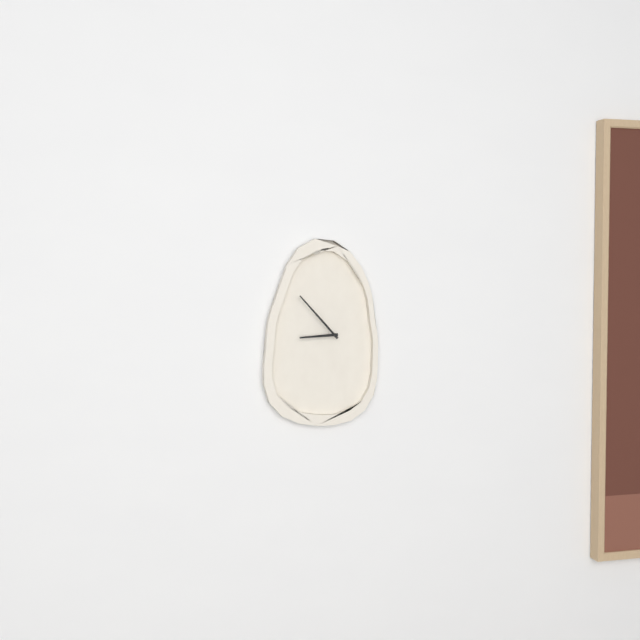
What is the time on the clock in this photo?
8:53
